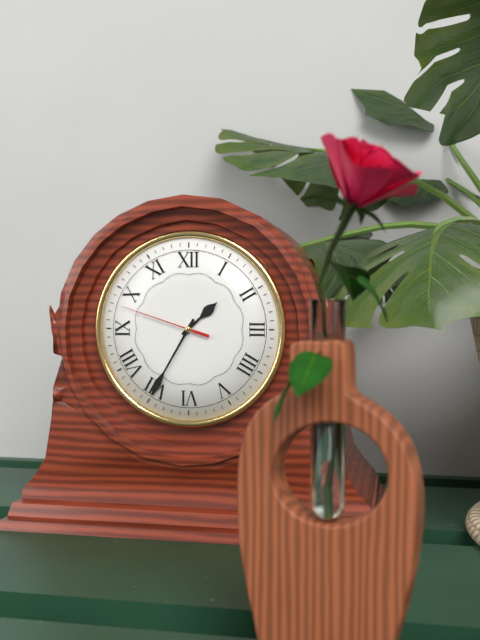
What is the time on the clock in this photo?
1:35:48
